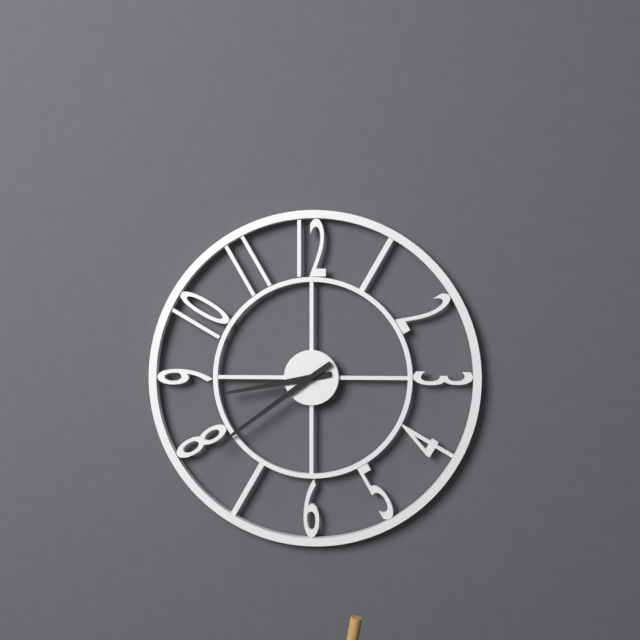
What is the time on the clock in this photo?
8:39
